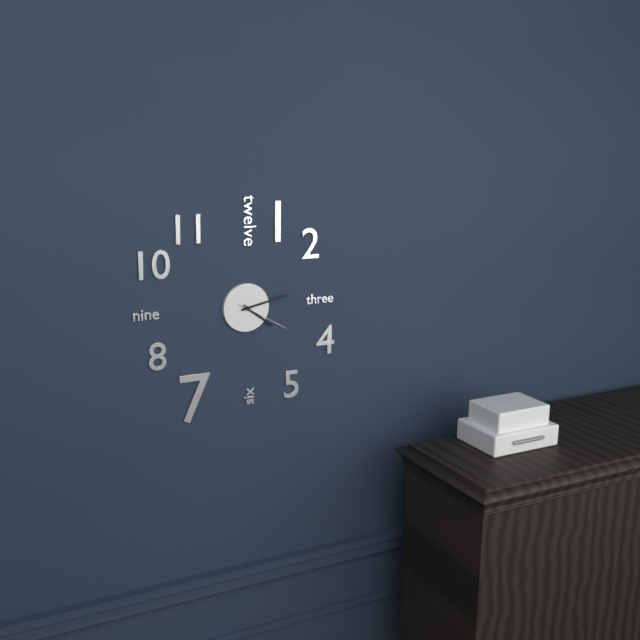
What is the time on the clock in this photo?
4:13:20
